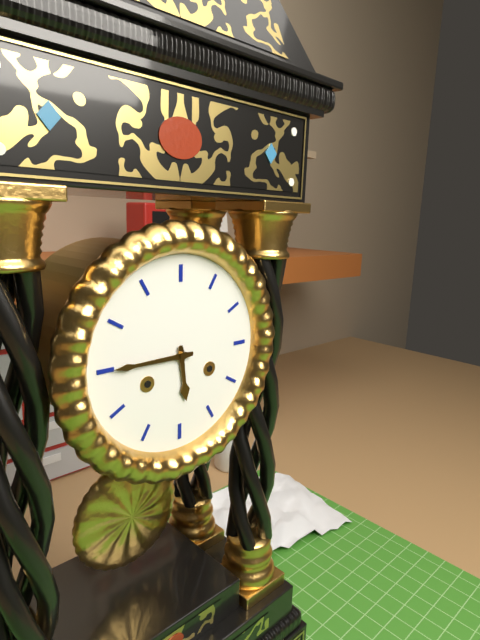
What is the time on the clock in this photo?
5:45
